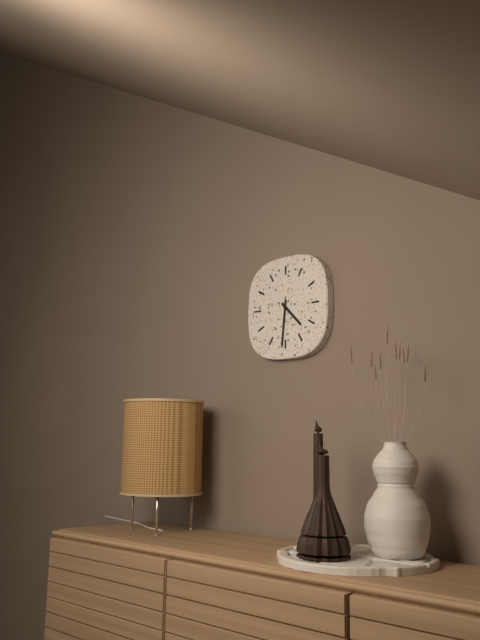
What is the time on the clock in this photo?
4:31
